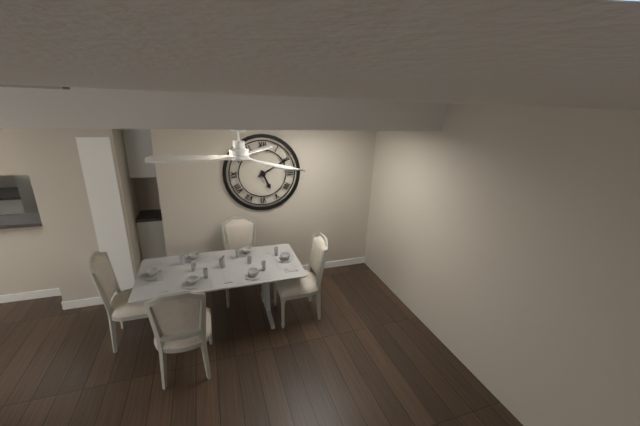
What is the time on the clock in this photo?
5:10
